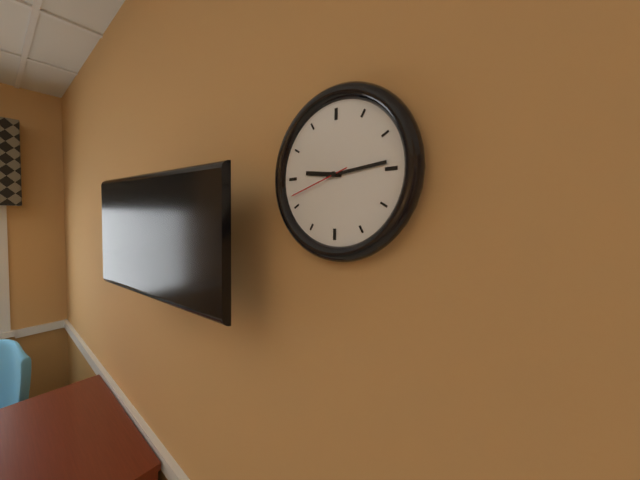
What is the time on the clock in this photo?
9:14:42
